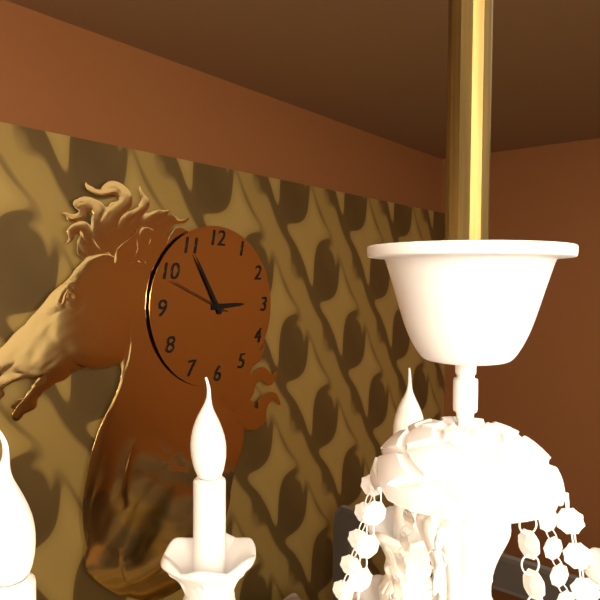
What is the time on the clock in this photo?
2:55:49
